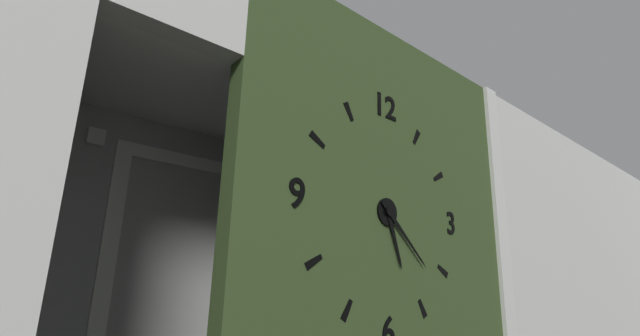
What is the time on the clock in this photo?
5:22
